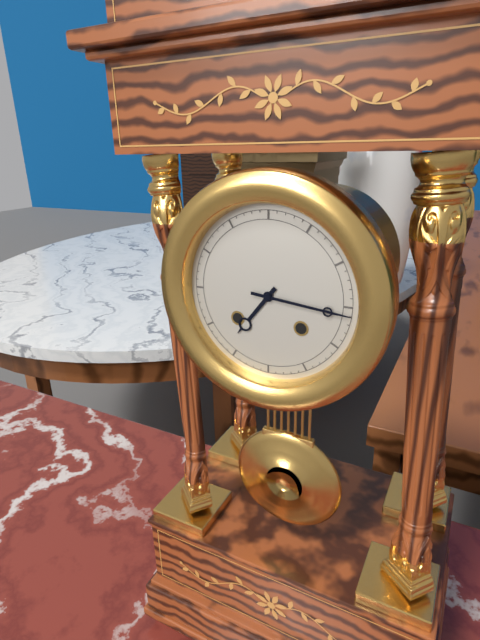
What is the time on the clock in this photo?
7:16
